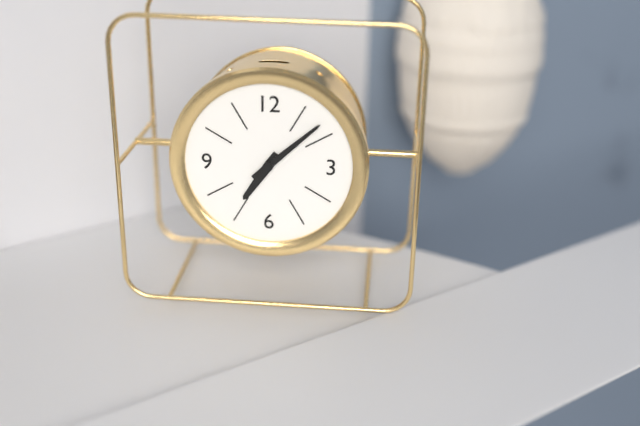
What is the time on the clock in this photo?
7:08
